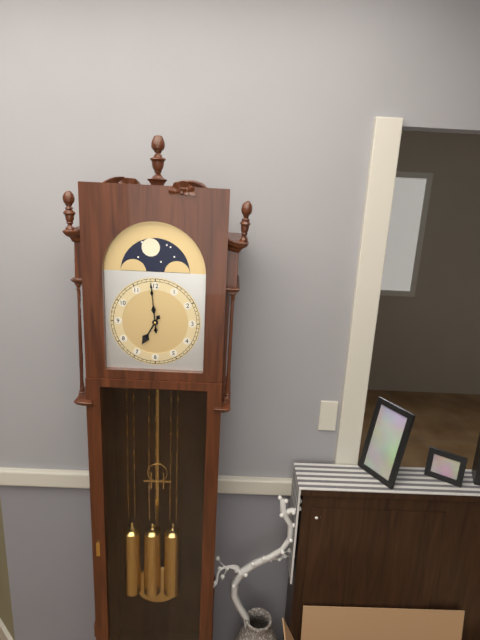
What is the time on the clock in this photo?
6:59
